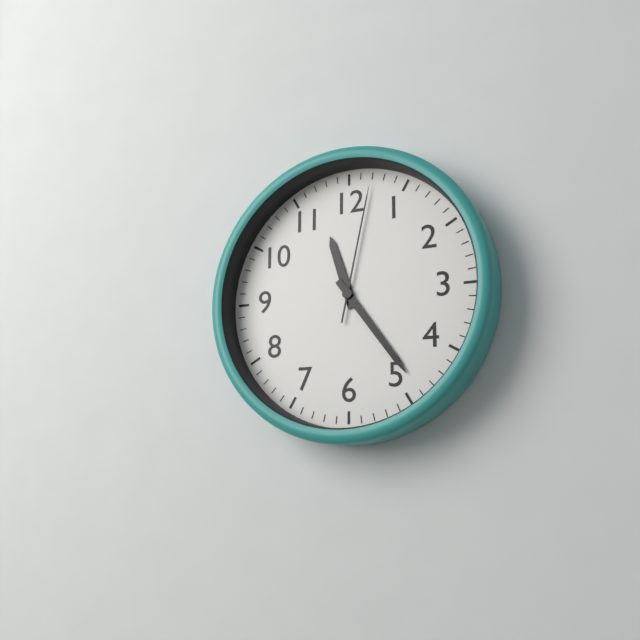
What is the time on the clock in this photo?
11:24:02
